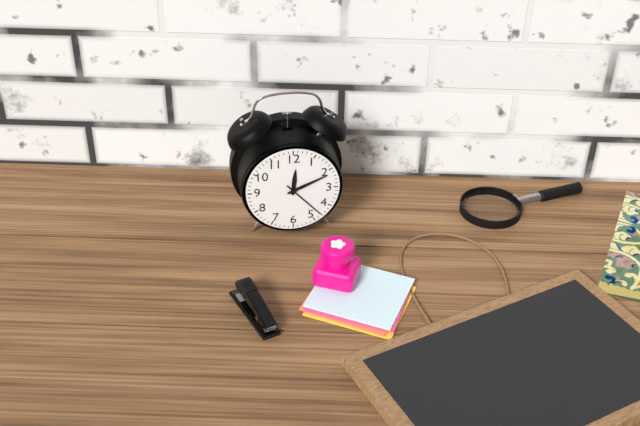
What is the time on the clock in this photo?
12:11
